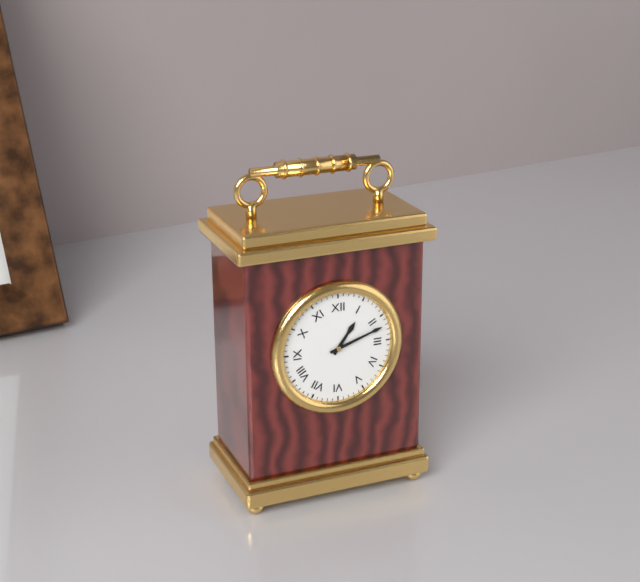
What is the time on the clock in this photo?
1:12
